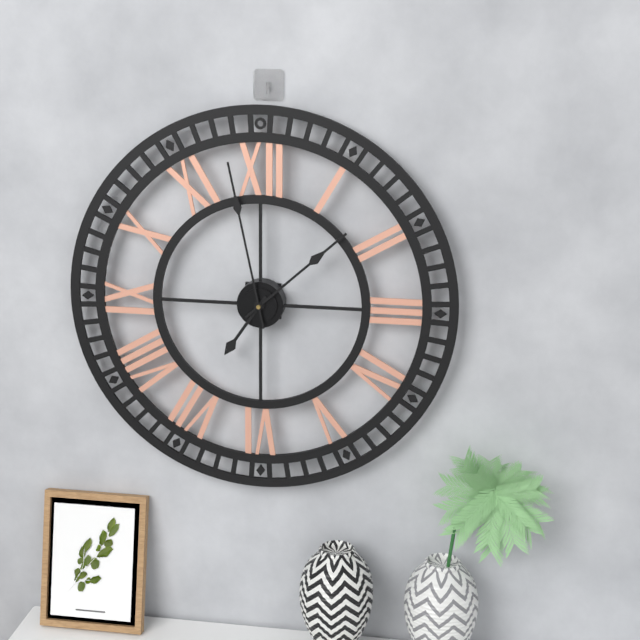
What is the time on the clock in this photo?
7:08:58
